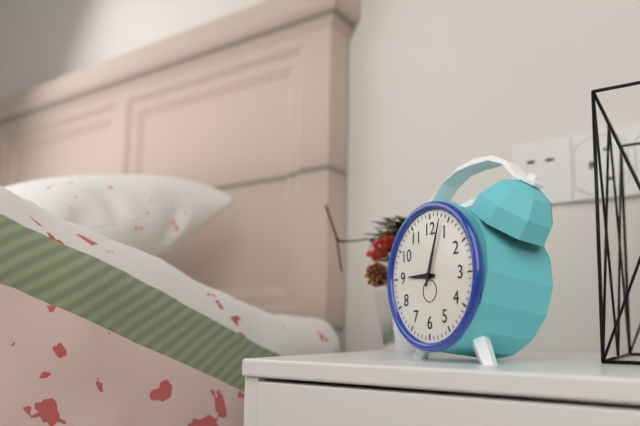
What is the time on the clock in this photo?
9:03
